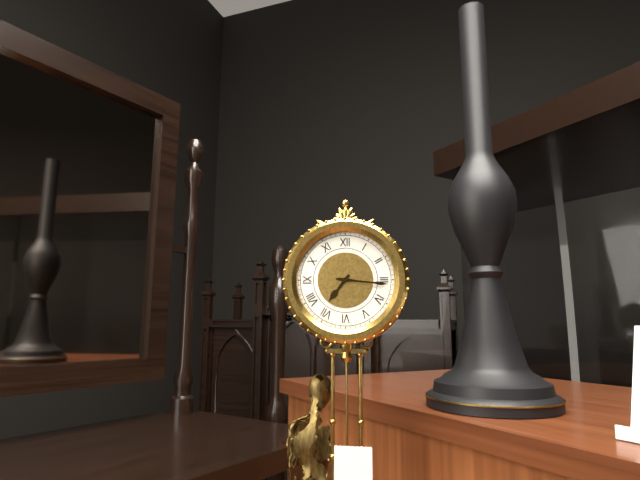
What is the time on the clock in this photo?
7:16
